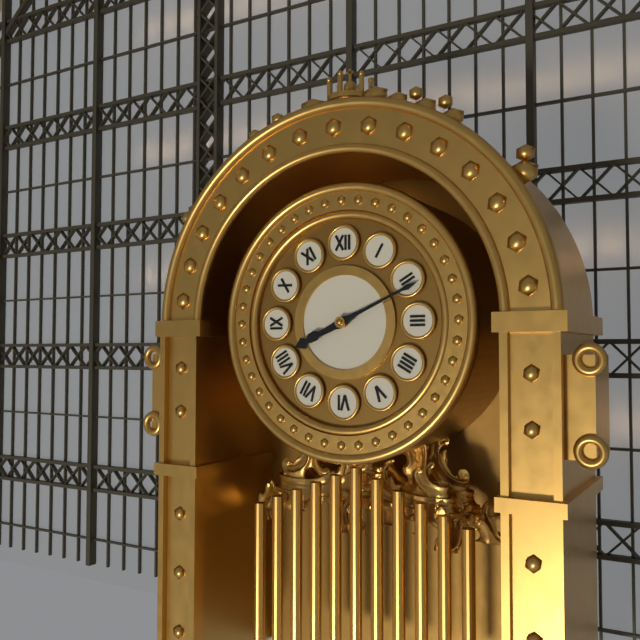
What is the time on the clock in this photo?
8:11
